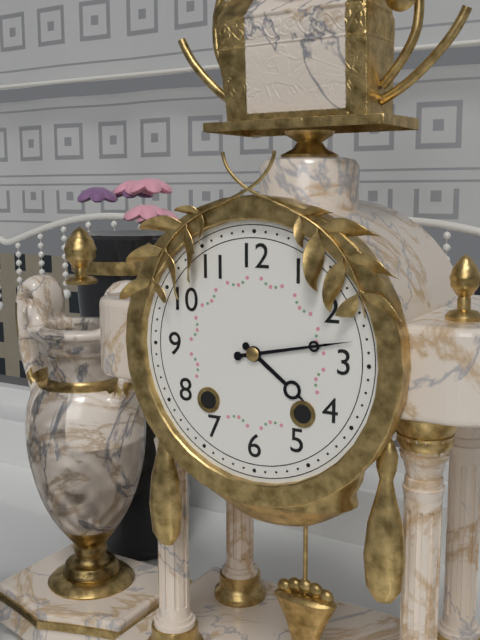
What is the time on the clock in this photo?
4:13
